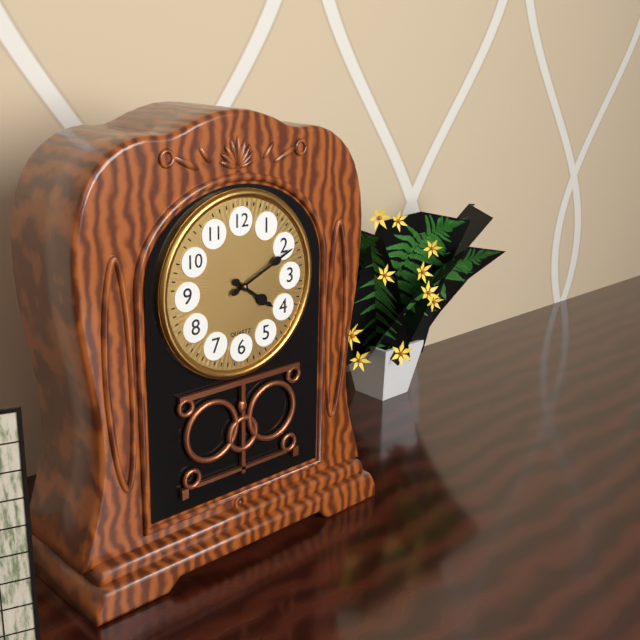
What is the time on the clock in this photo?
4:11
